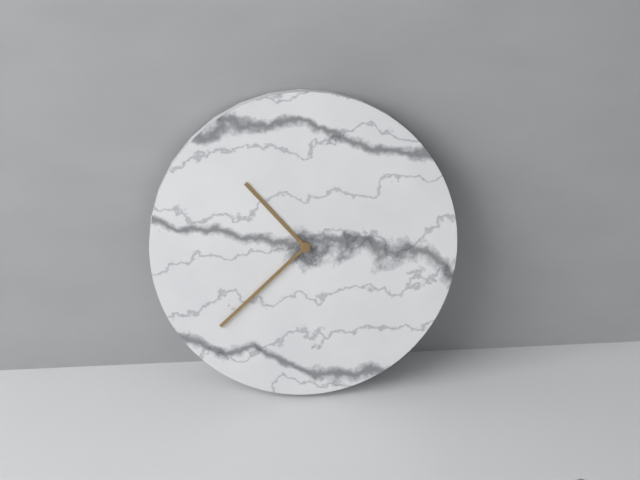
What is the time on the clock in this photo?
10:38
